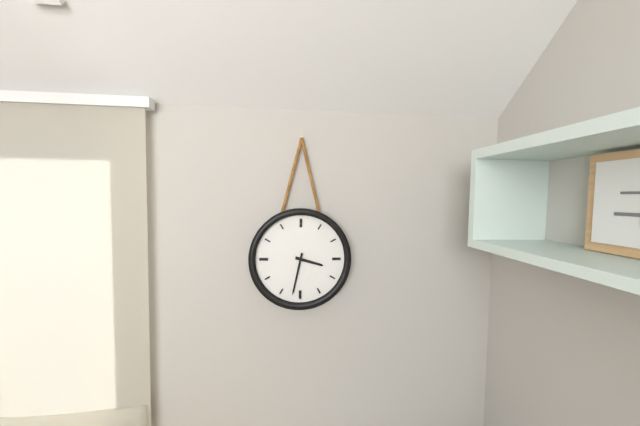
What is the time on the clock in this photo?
3:32
